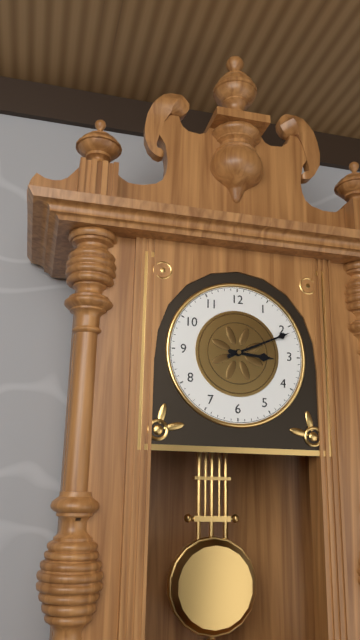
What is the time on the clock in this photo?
3:11
